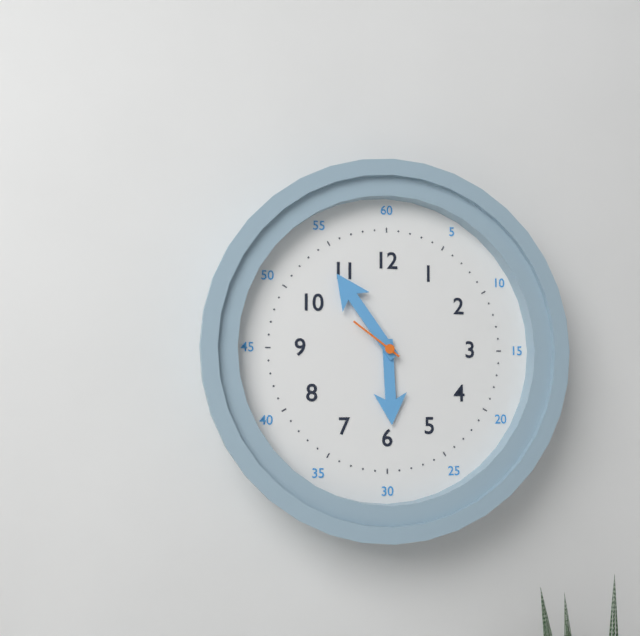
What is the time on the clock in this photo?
5:54
